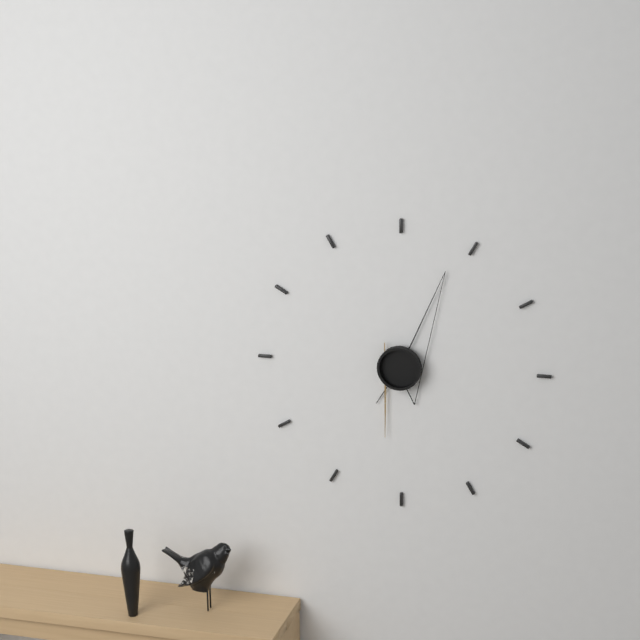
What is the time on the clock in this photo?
7:04:32
